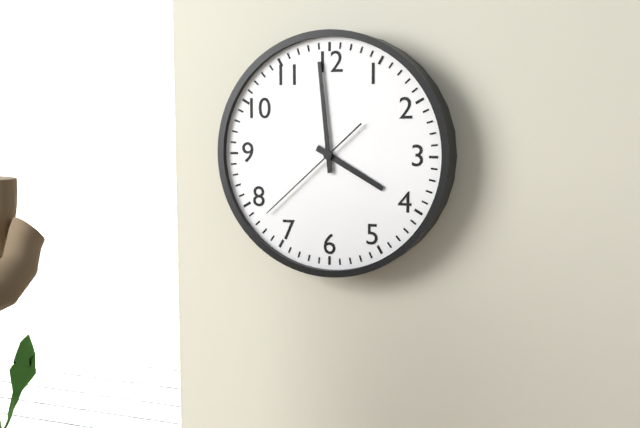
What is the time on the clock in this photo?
3:59:38
